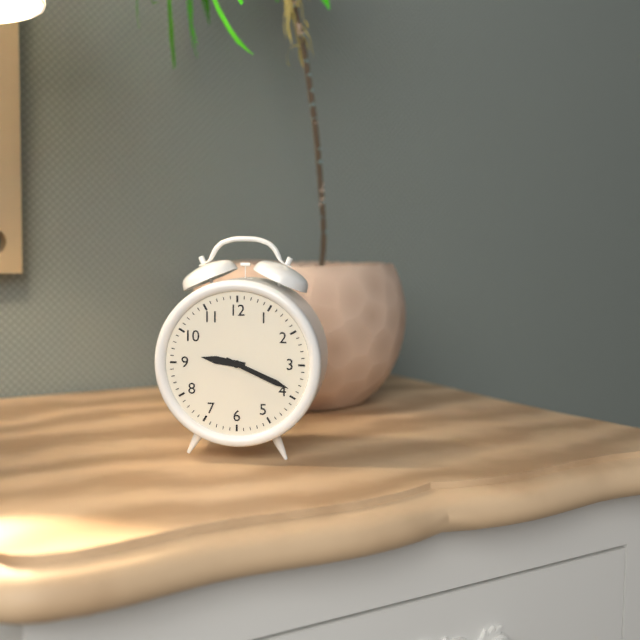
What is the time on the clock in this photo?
9:19
